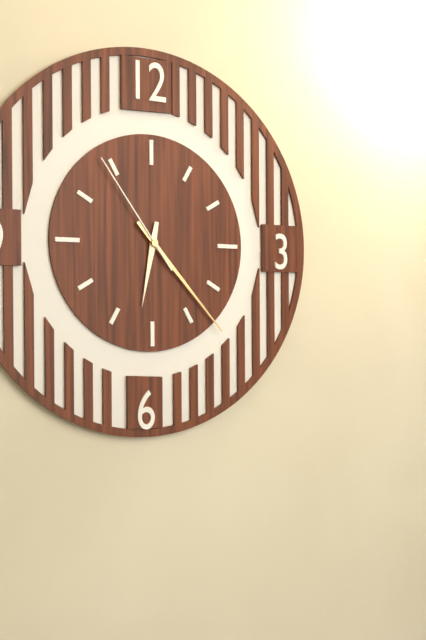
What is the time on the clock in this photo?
6:23:54
